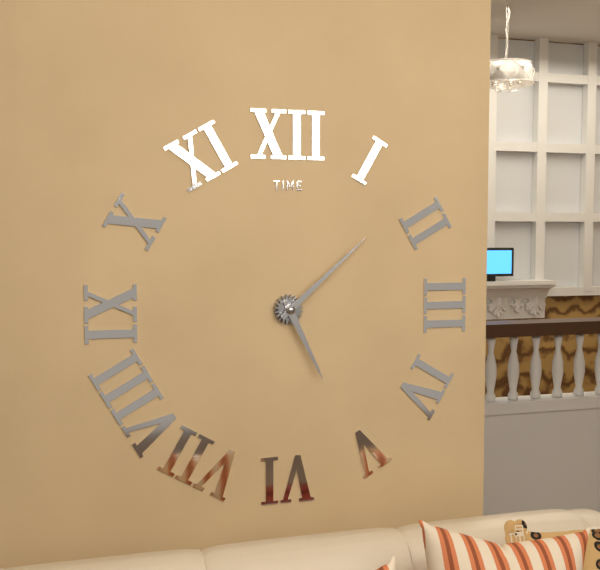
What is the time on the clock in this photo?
5:08
